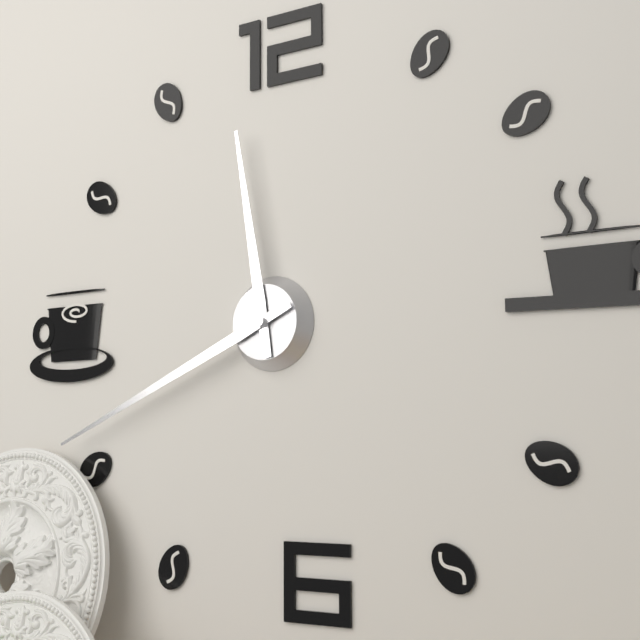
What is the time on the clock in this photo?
11:41
